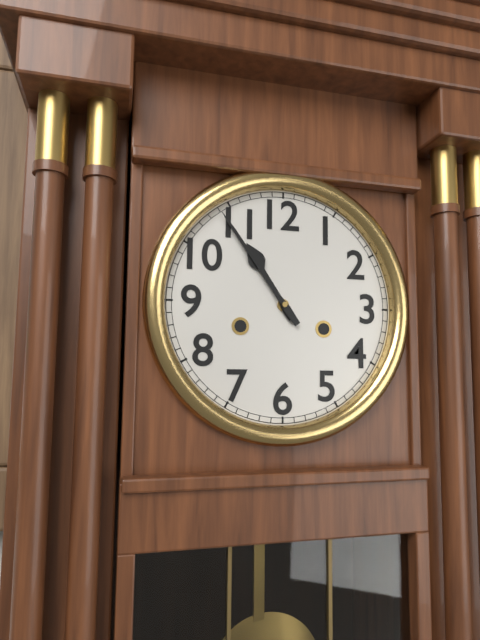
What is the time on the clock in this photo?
10:54
